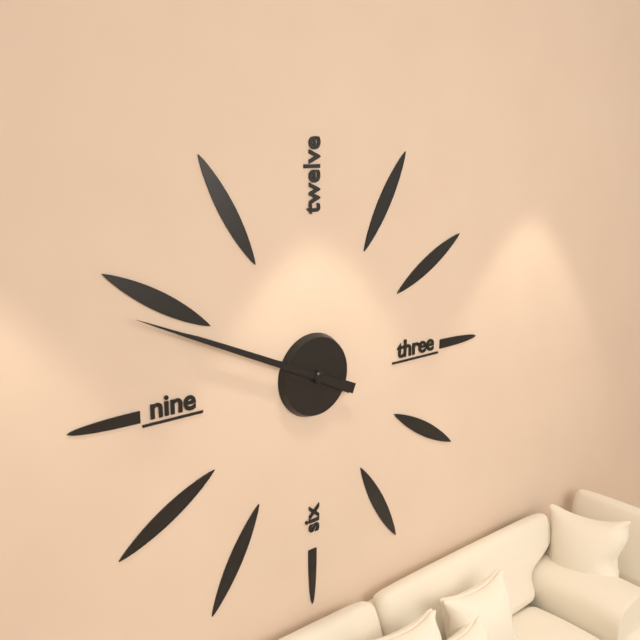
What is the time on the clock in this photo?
9:49
